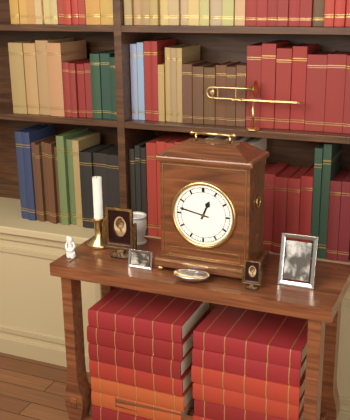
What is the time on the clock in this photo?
12:47
